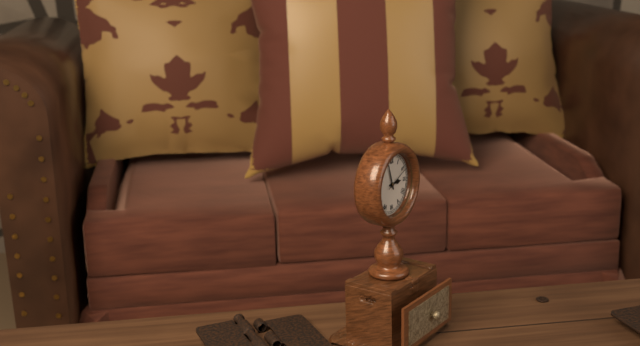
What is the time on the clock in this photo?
2:57
